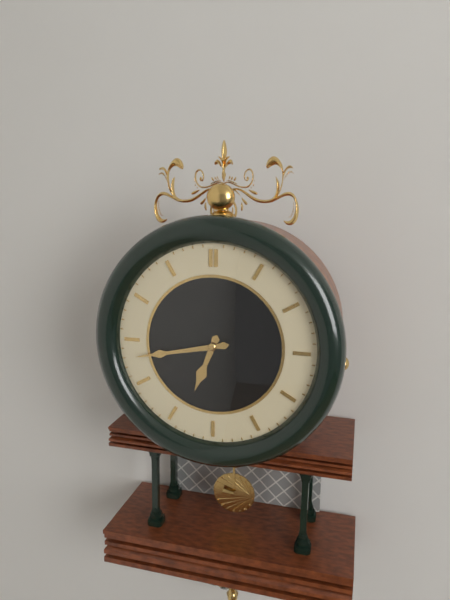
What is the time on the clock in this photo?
6:43
